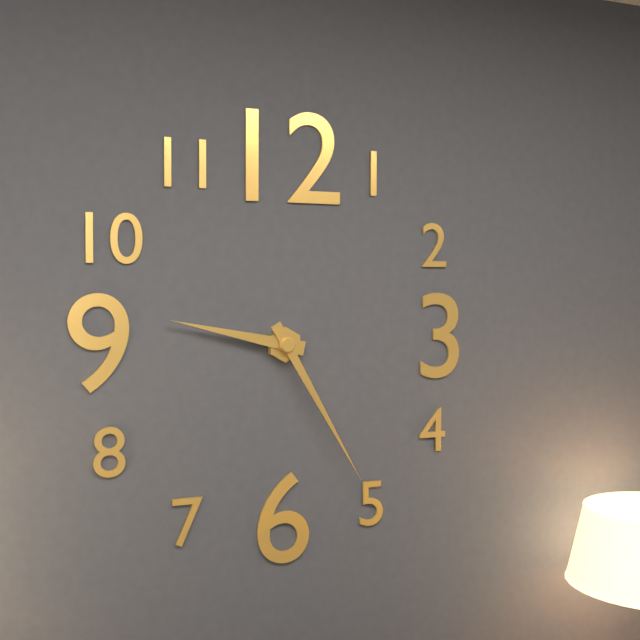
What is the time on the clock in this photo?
9:25
